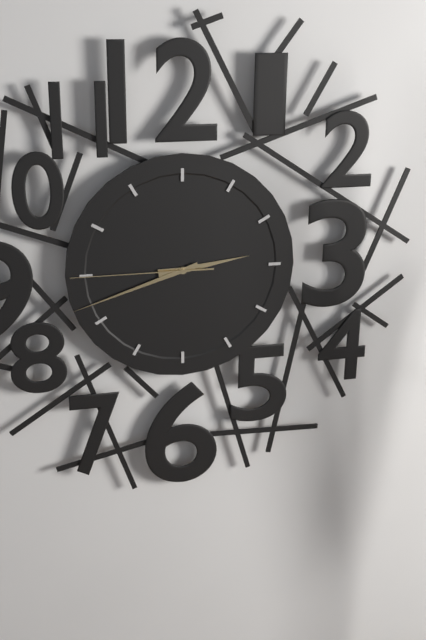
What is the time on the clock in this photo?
2:42:45
